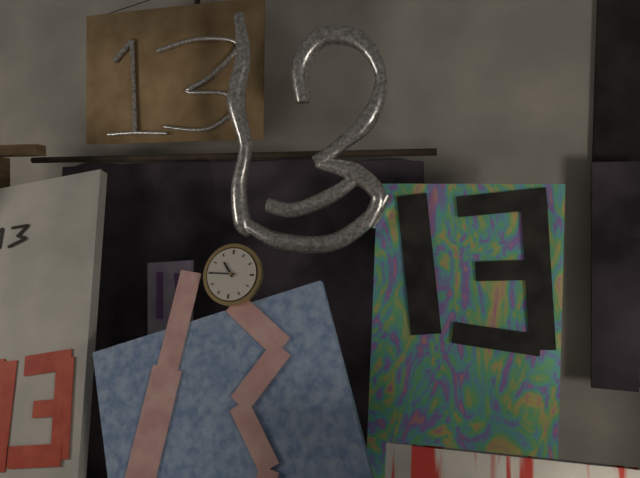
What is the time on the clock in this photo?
10:45
